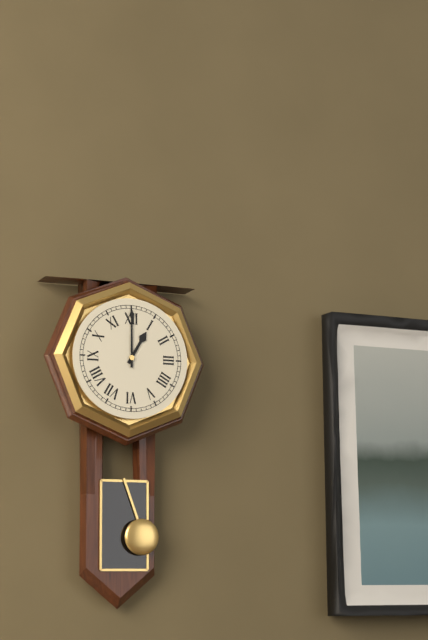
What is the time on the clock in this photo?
1:00
